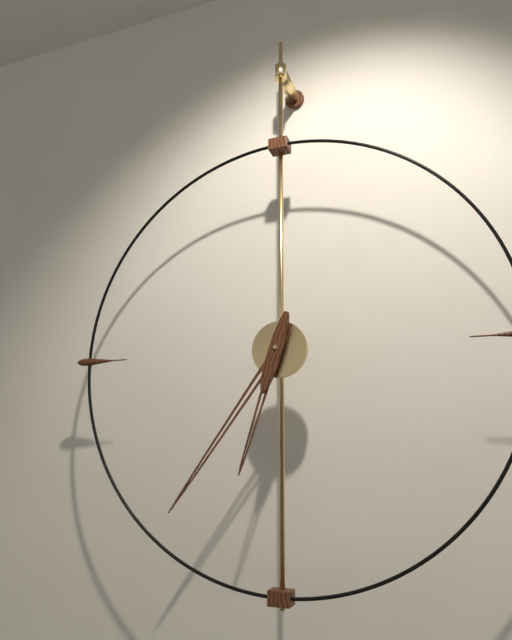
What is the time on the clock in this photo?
6:36
